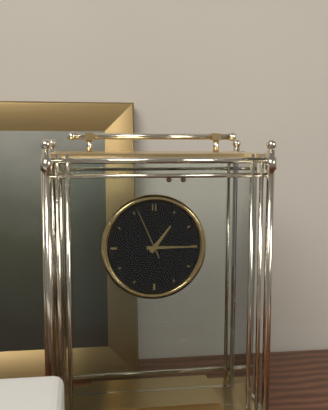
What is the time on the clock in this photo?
1:15:56
